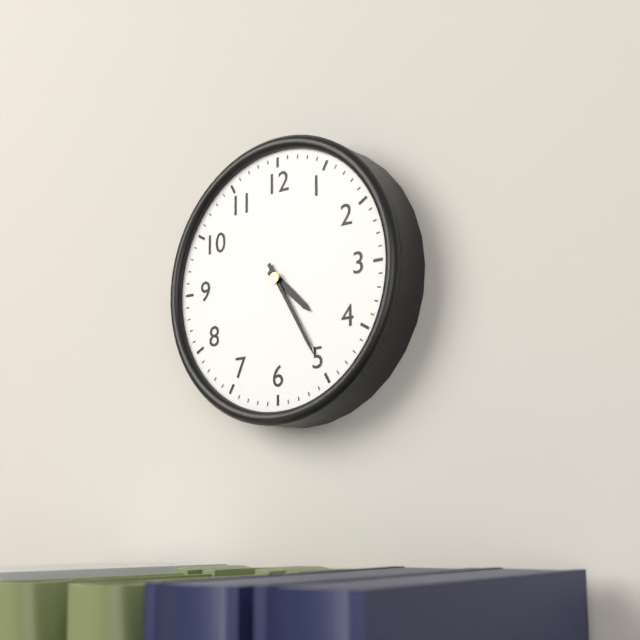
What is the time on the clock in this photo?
4:25
